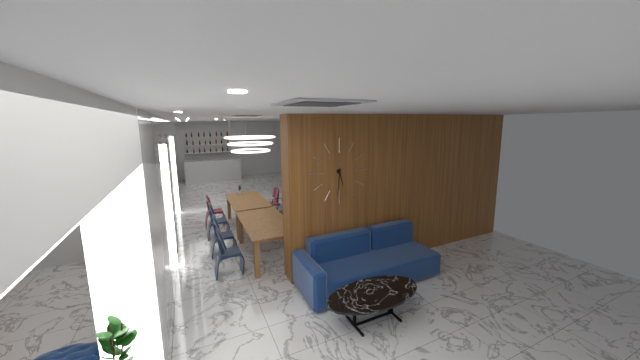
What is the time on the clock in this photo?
5:31
